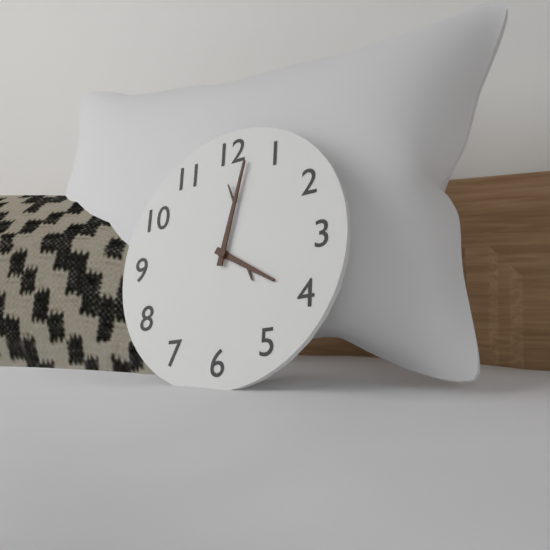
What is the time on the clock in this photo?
4:02
